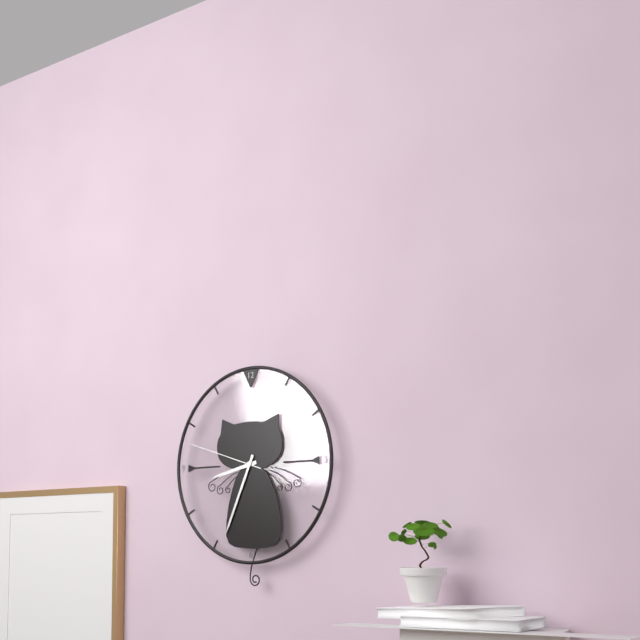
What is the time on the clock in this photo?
8:34:48
